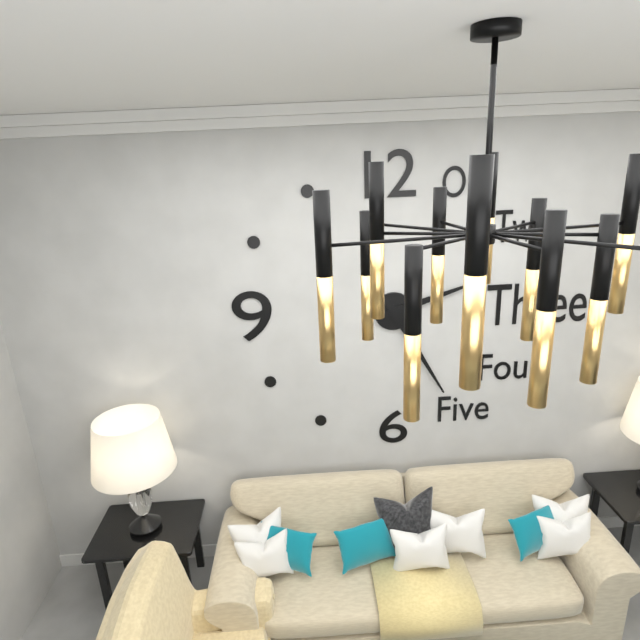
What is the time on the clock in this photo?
2:25
